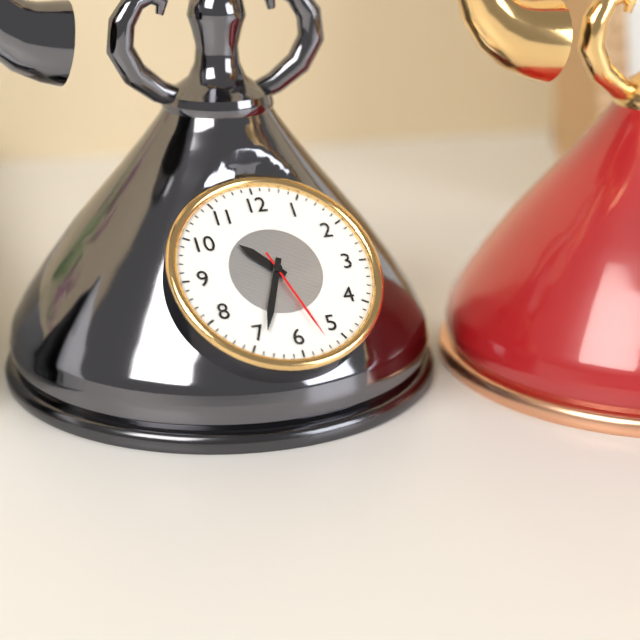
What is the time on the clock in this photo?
10:34:27
